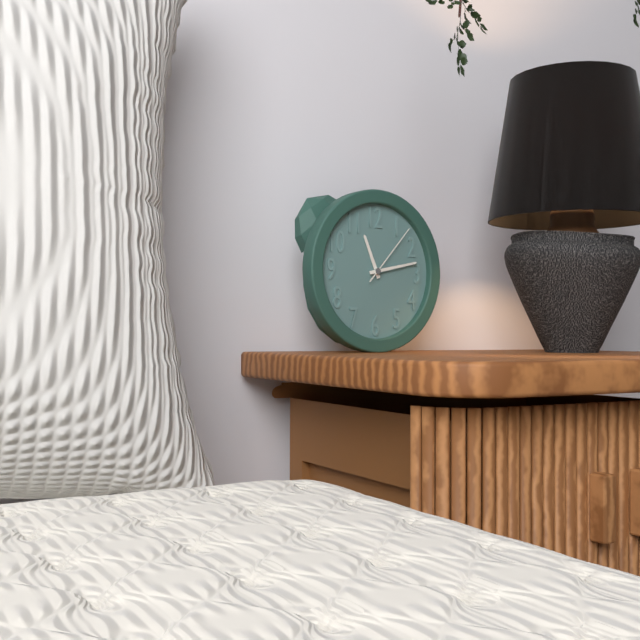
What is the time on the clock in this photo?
11:13:07
